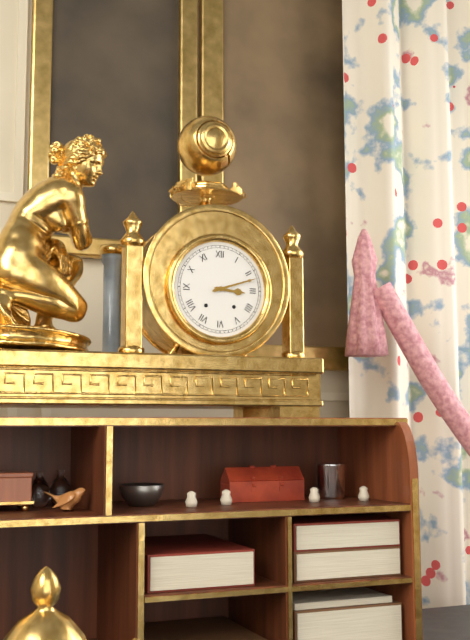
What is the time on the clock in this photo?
3:12
